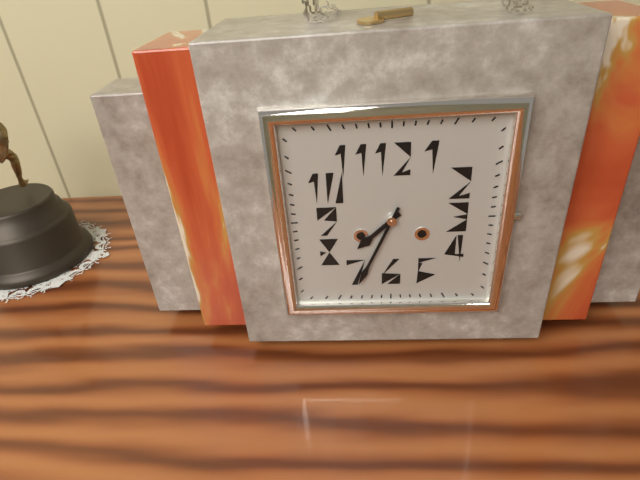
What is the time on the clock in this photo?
7:34
